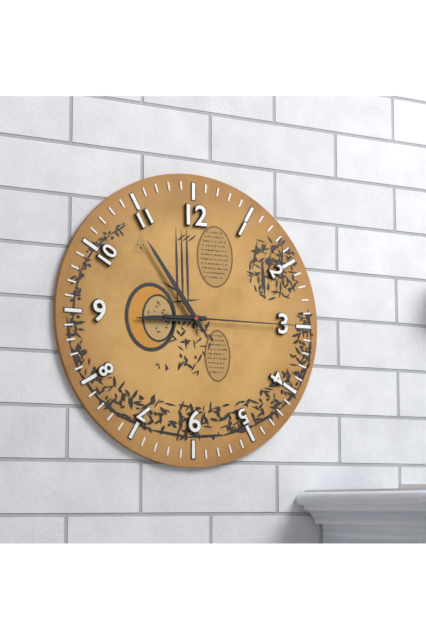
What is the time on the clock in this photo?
8:54:15
